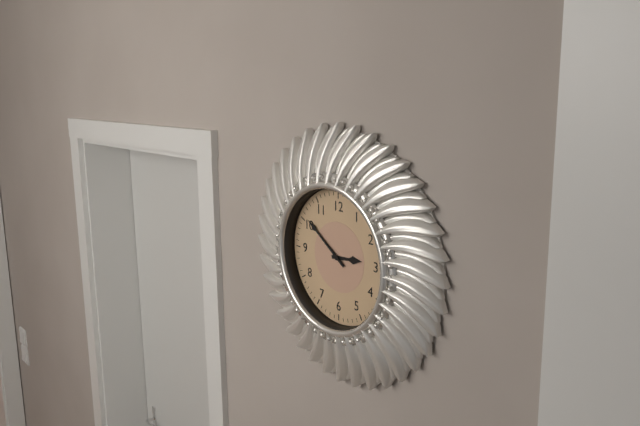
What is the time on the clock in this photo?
2:51
